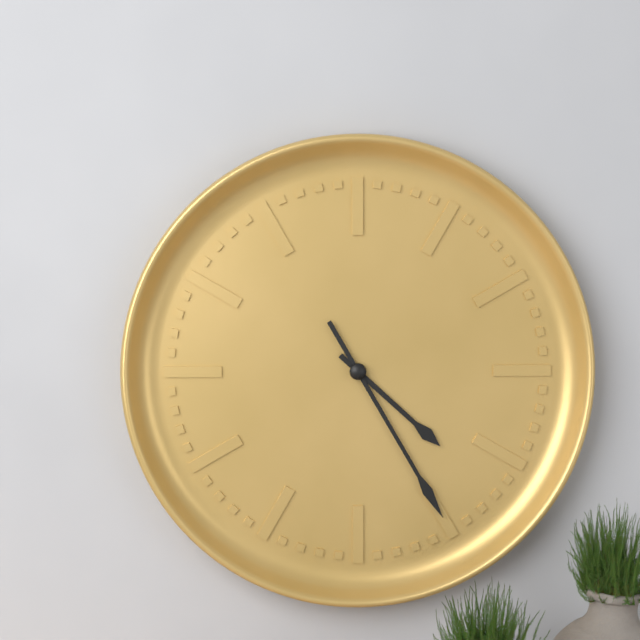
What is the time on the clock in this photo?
4:25
